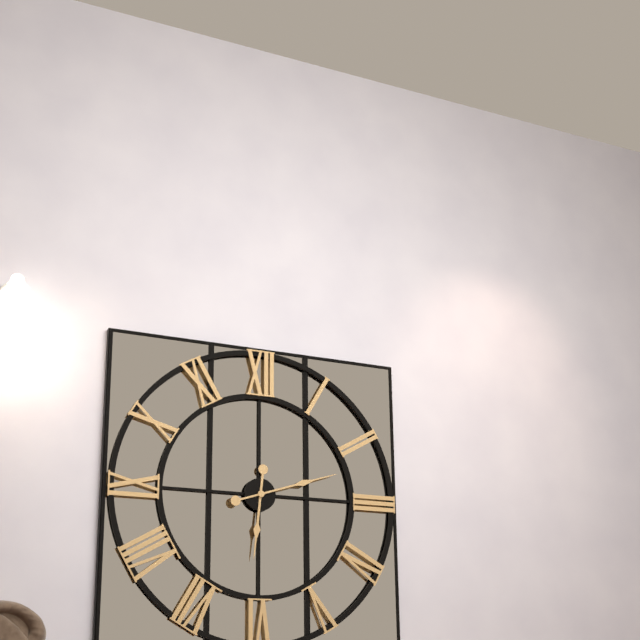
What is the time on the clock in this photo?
6:12
